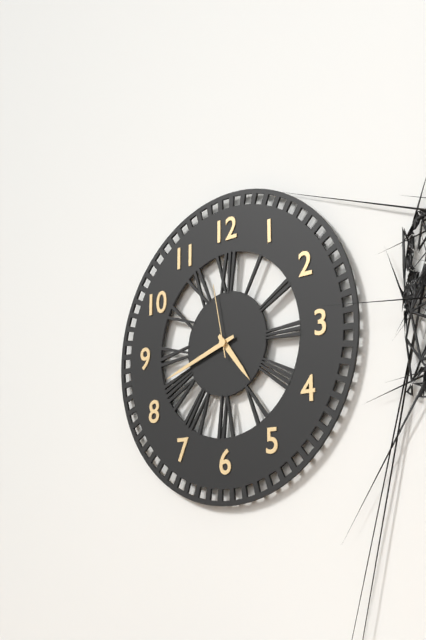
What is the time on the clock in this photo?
4:42:58
